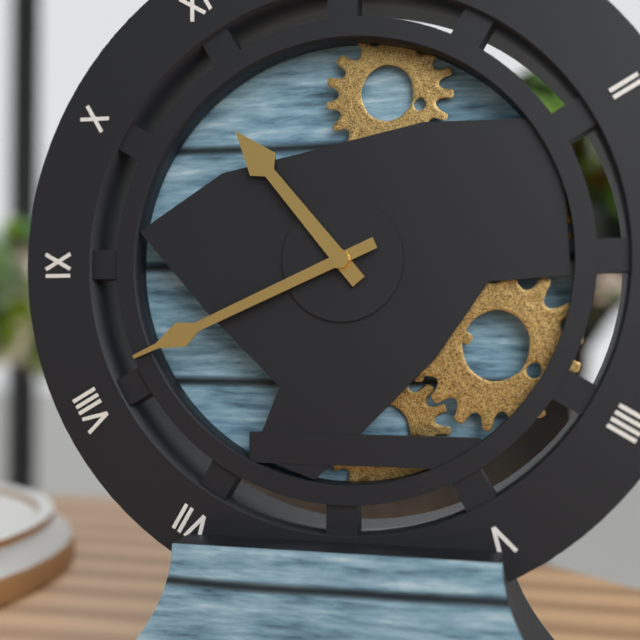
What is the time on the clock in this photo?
10:41
